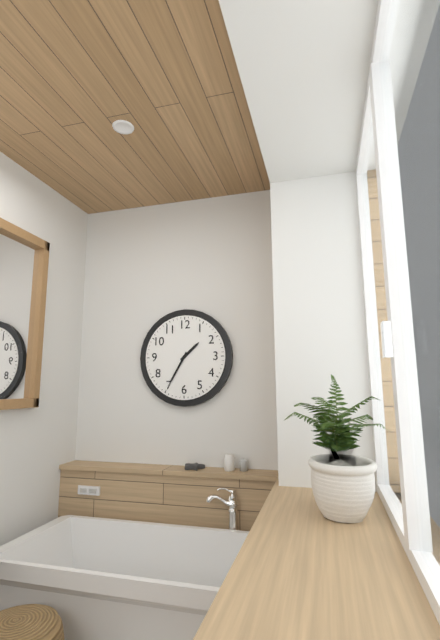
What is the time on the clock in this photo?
1:35
